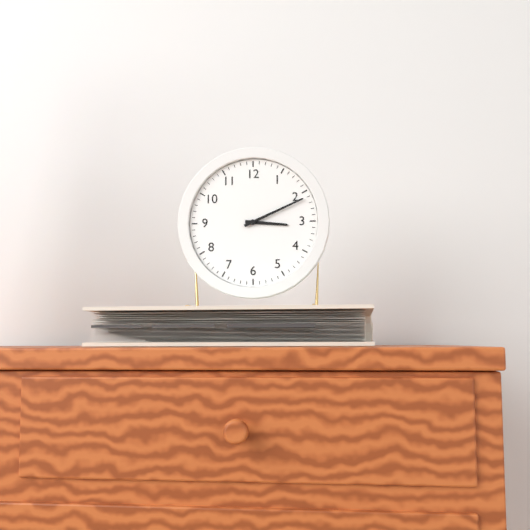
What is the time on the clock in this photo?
3:11
